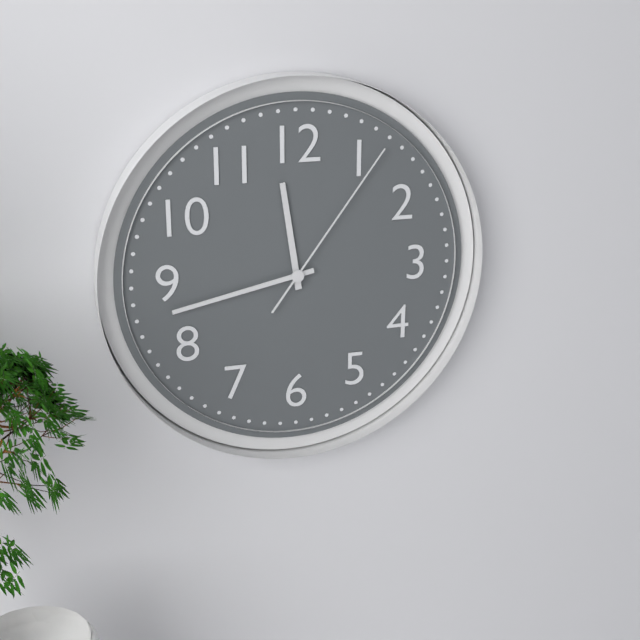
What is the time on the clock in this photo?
11:43:06
